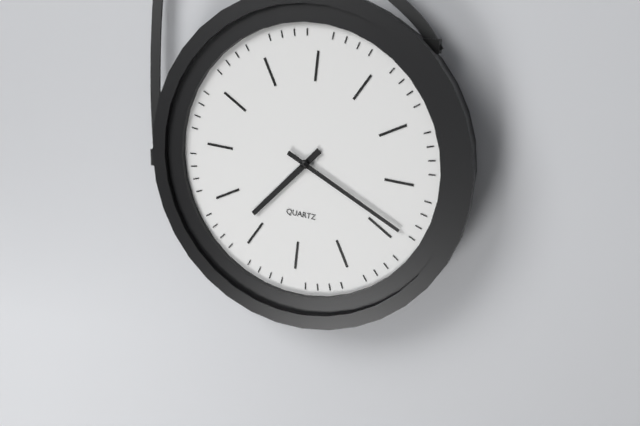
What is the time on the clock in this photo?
7:19
